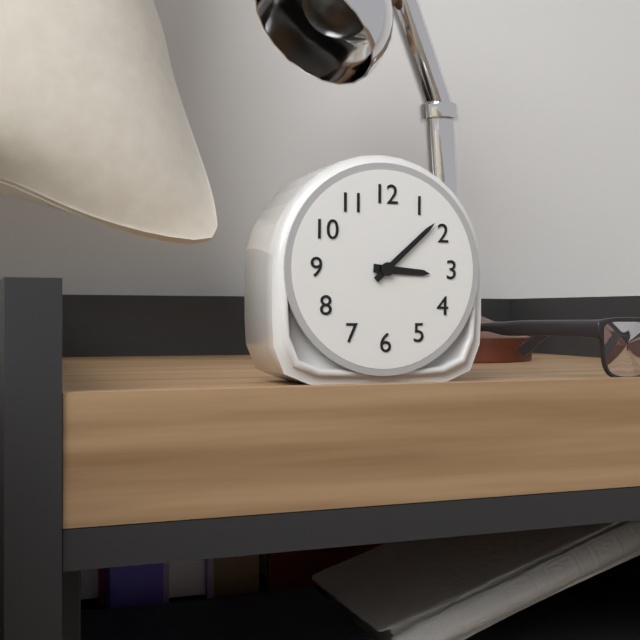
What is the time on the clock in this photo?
3:08
